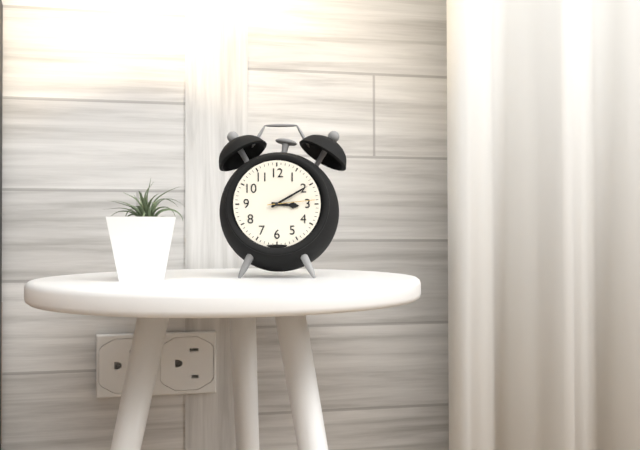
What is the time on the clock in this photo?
3:10
